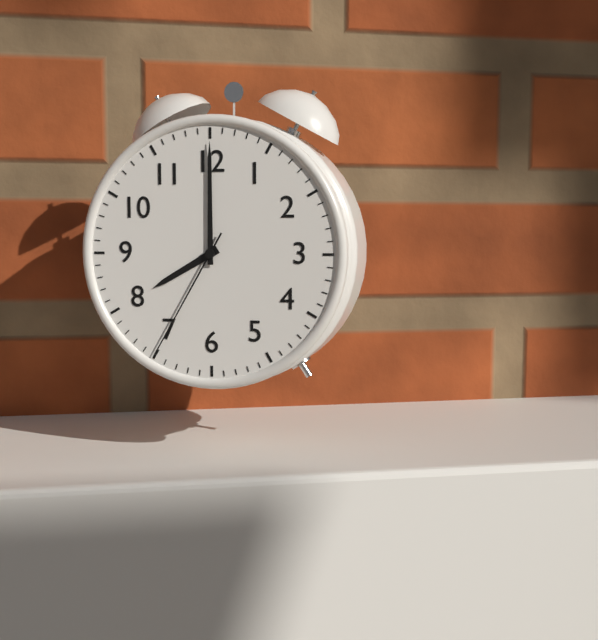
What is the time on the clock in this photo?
8:00:35
